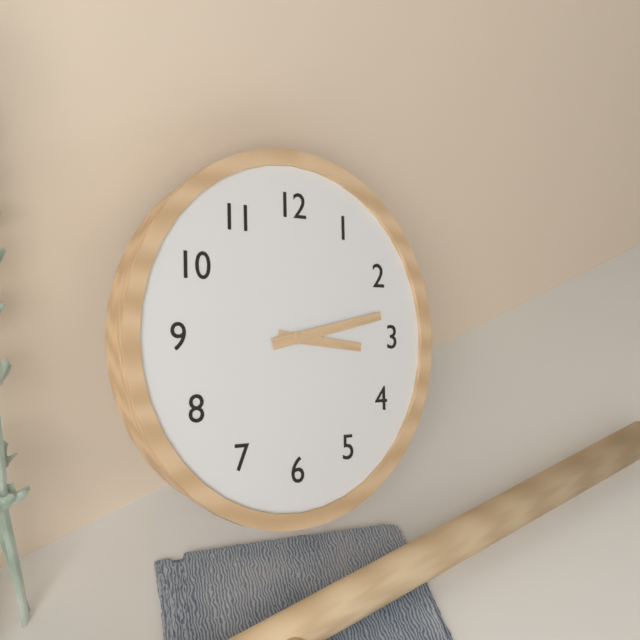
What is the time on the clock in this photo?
3:13
